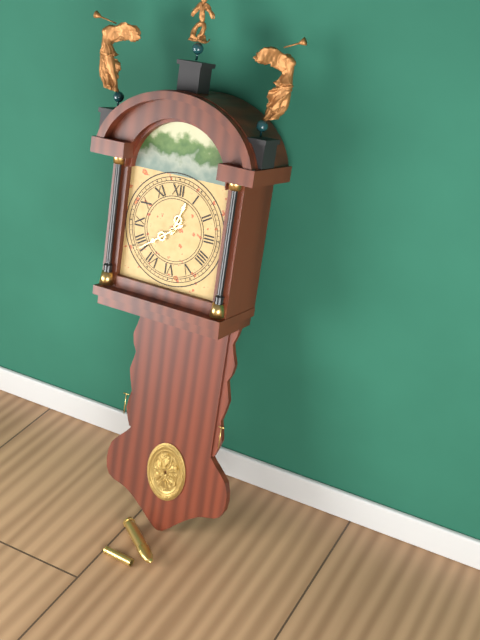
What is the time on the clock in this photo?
12:39
